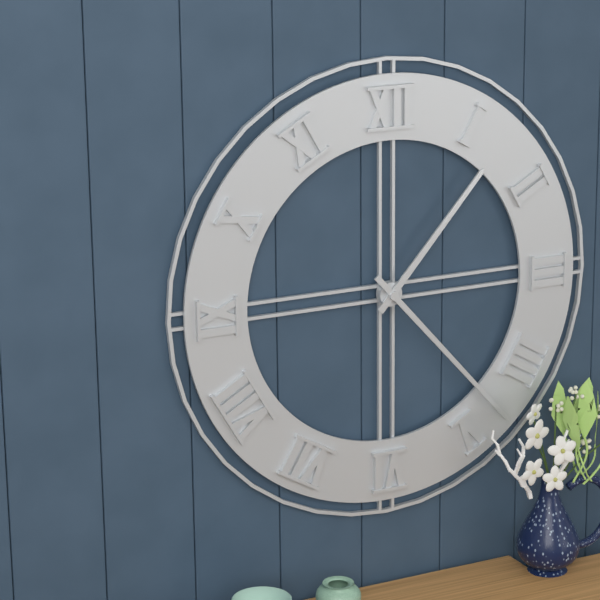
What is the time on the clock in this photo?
1:23
